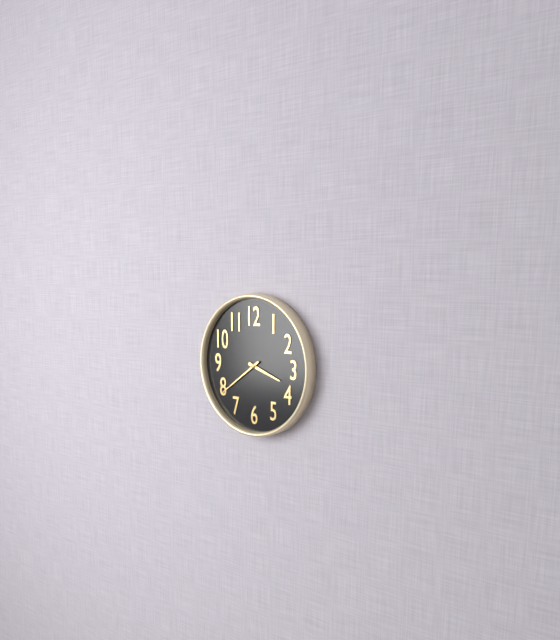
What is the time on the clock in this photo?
3:39
